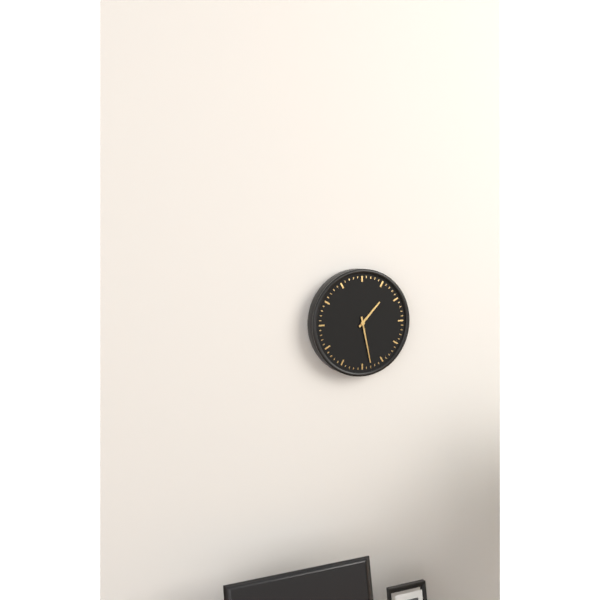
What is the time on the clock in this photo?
1:28
